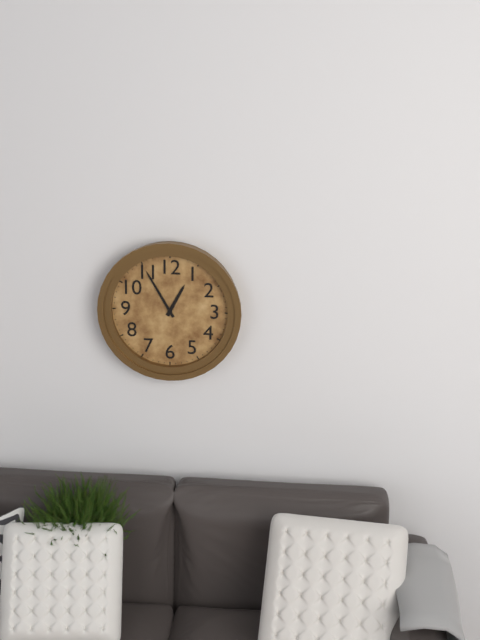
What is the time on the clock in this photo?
12:55
